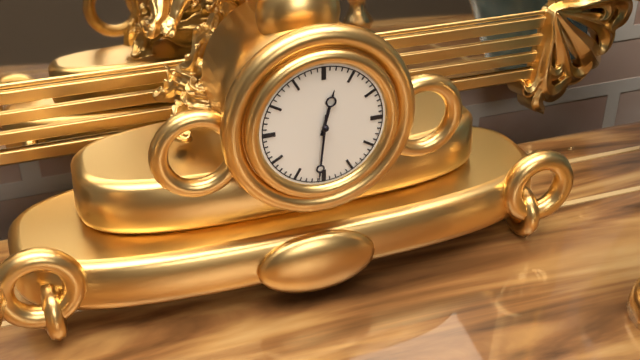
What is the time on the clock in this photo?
12:31
